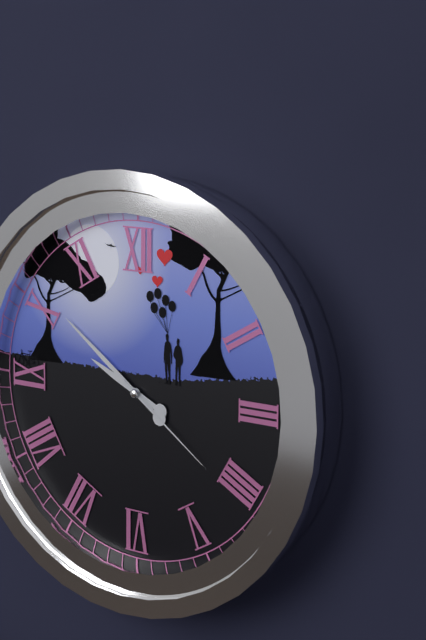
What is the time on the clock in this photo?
9:51:21
